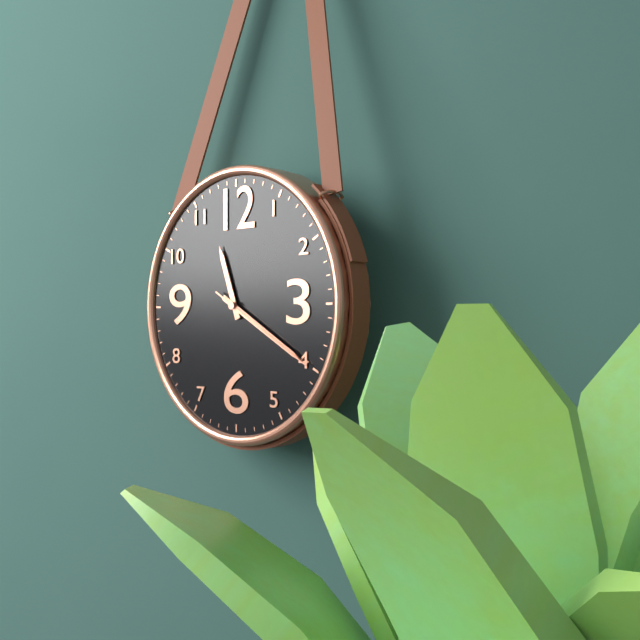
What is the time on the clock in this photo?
11:20:20
